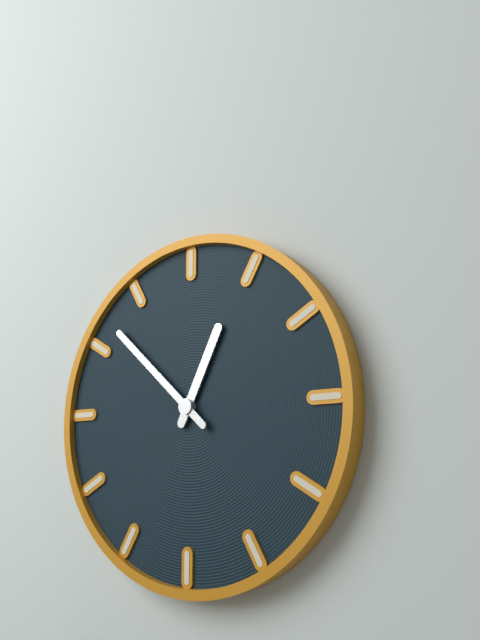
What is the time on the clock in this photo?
12:52
